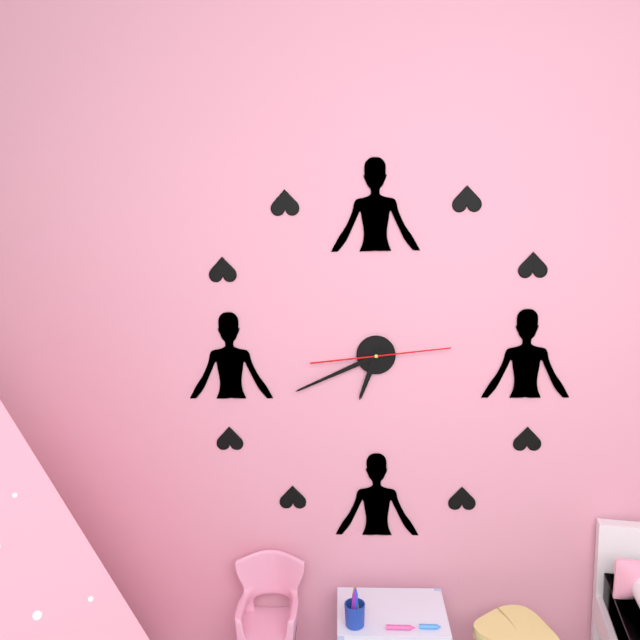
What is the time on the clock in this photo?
6:41:14
